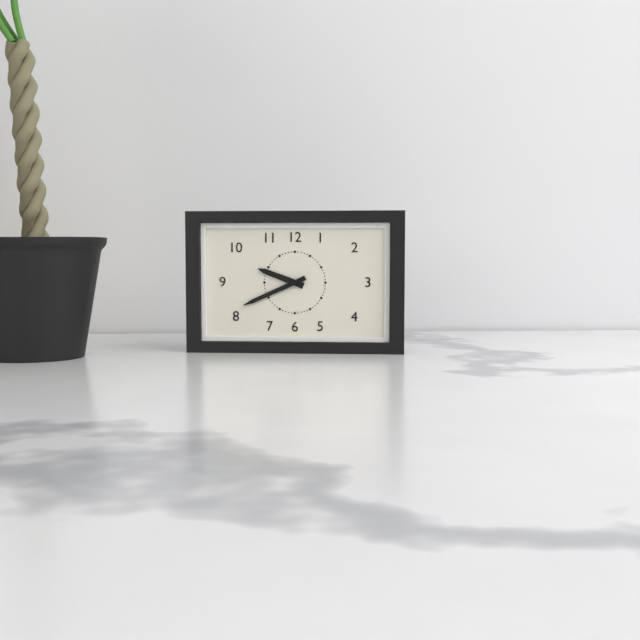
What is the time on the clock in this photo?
9:41
